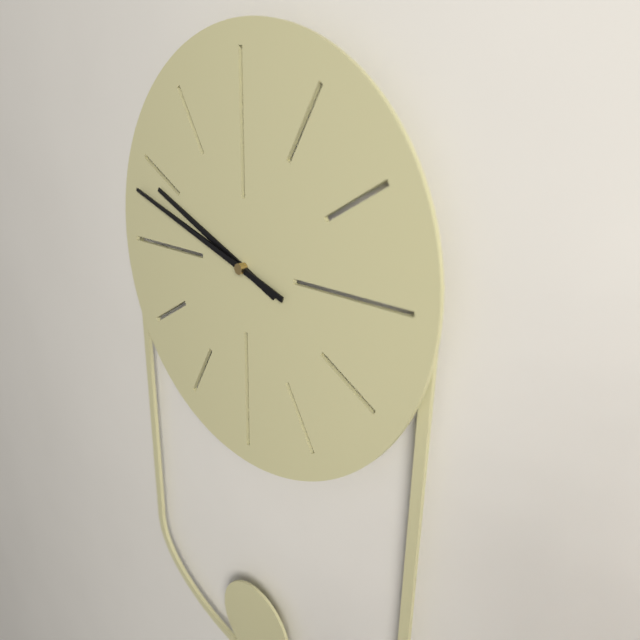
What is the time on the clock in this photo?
9:48
